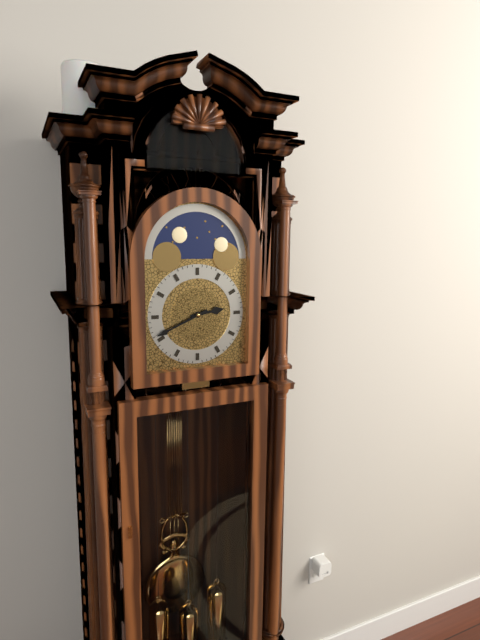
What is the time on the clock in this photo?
2:41
